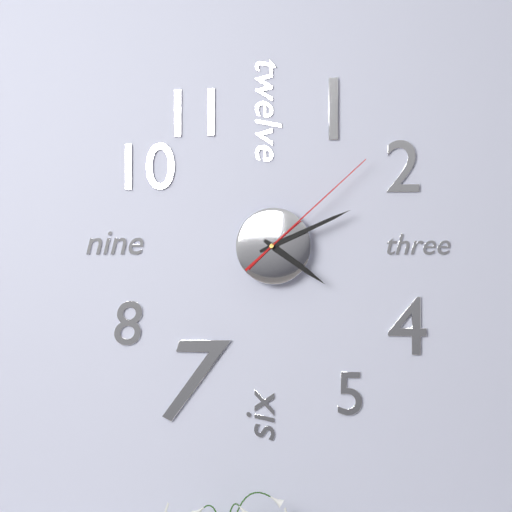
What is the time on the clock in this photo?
4:11:08
